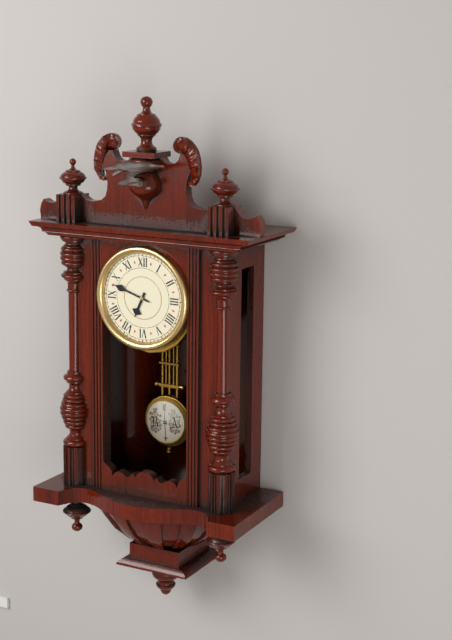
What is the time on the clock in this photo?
6:48
